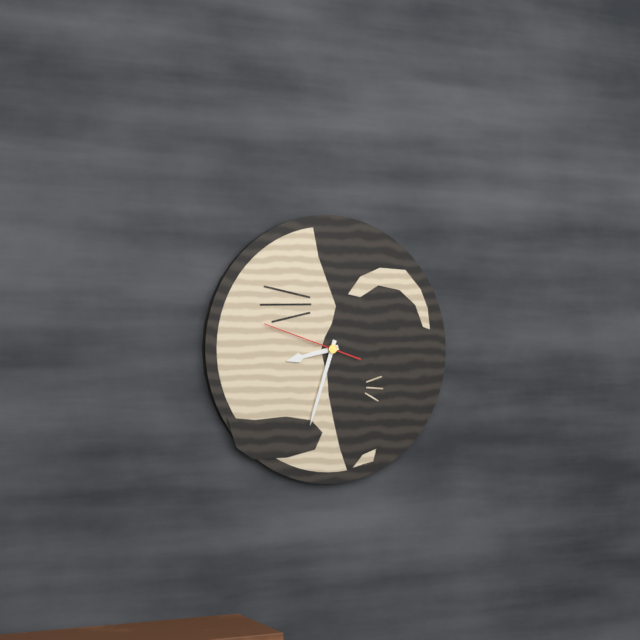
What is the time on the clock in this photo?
8:33:48
